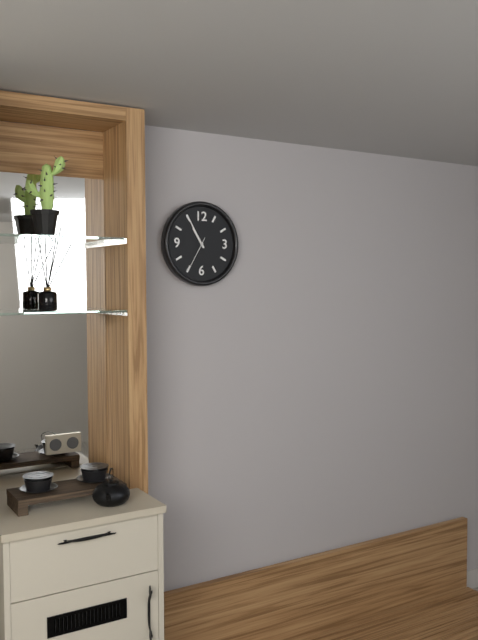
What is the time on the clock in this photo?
10:55
